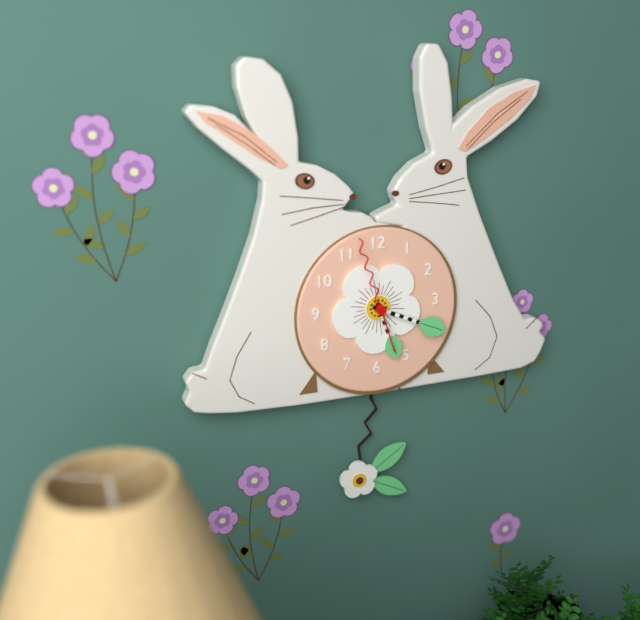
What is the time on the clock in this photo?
5:19:57
